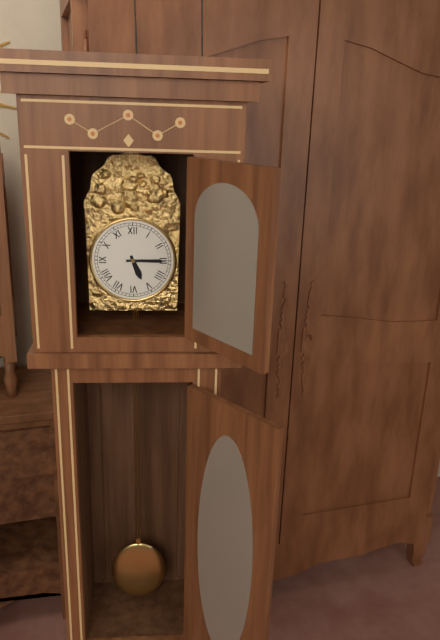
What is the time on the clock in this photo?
5:15
